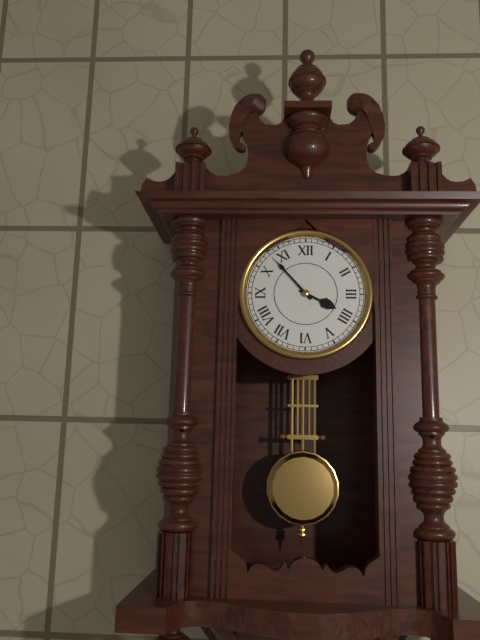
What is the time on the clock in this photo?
3:53
